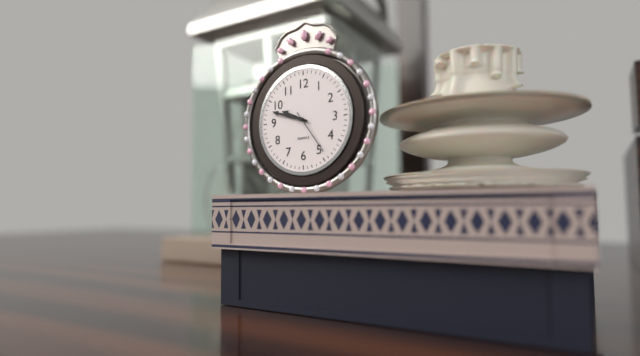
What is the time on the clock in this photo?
9:48
